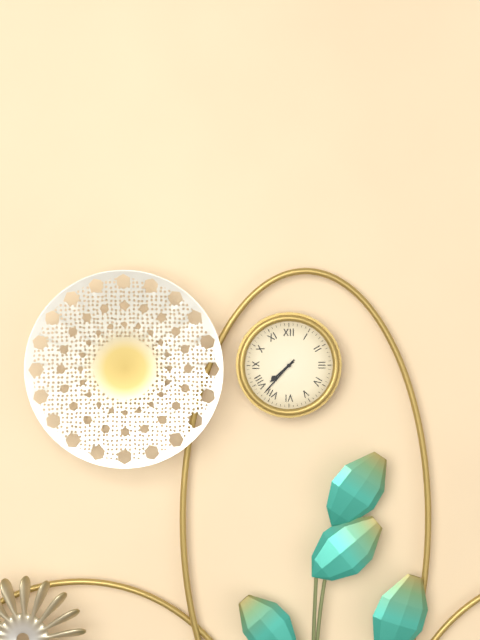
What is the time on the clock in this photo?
7:37
